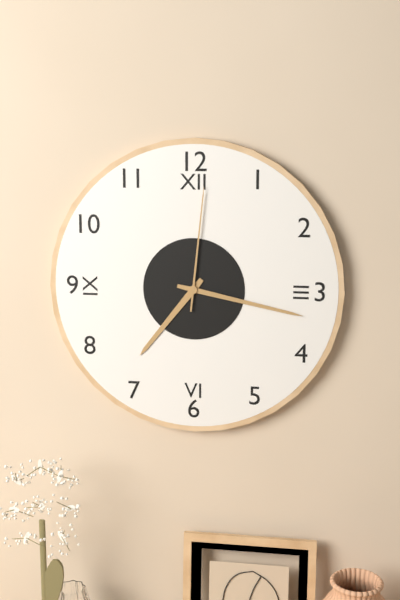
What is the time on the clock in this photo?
7:17:01
